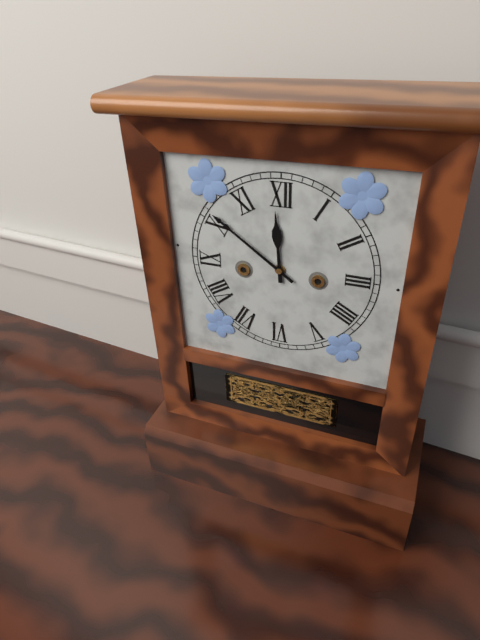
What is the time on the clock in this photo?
11:51
